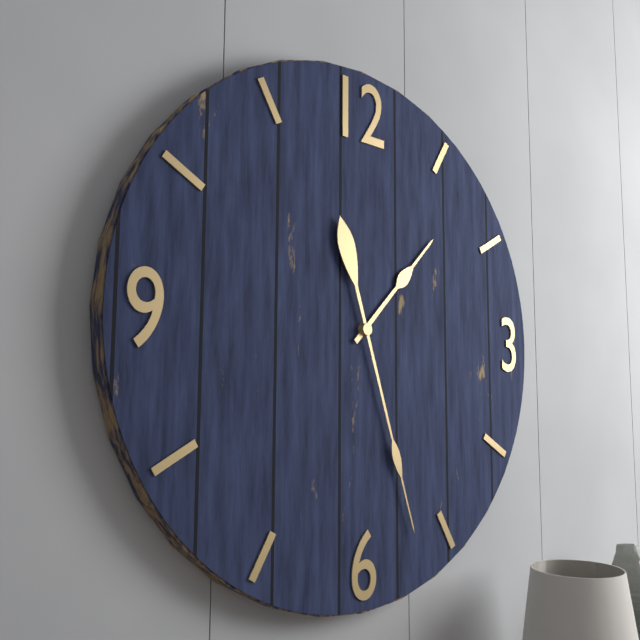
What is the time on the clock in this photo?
1:27
